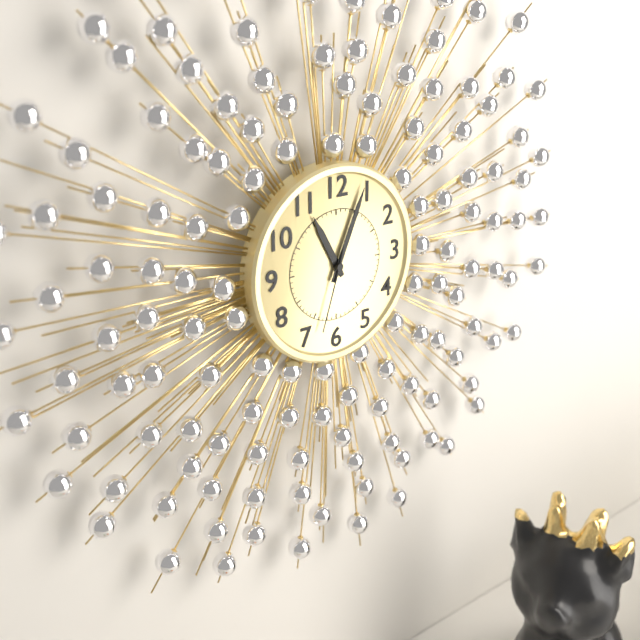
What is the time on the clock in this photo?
11:04:33
